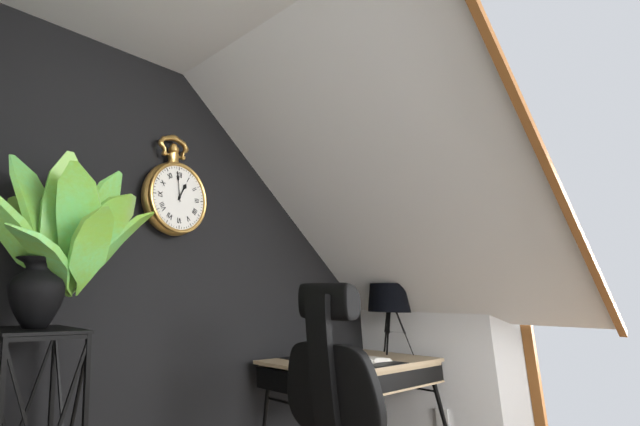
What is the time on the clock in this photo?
12:59
